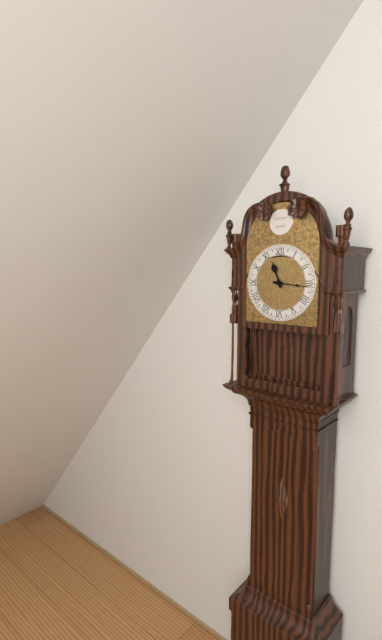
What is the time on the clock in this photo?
11:16
